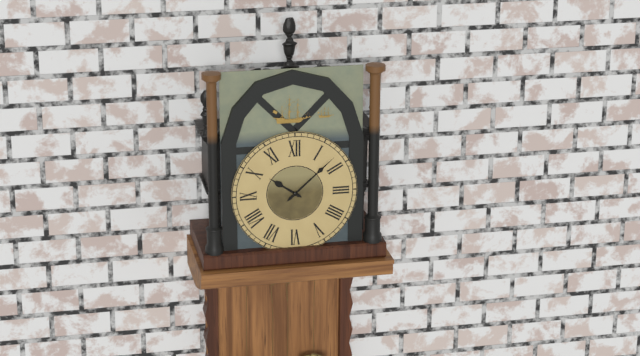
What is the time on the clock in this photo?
10:08
